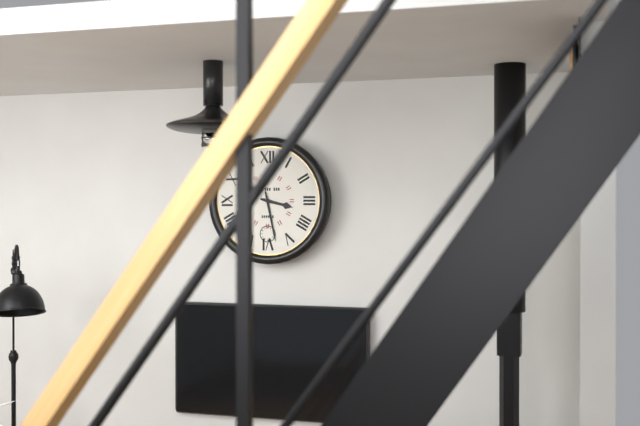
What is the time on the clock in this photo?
3:28
